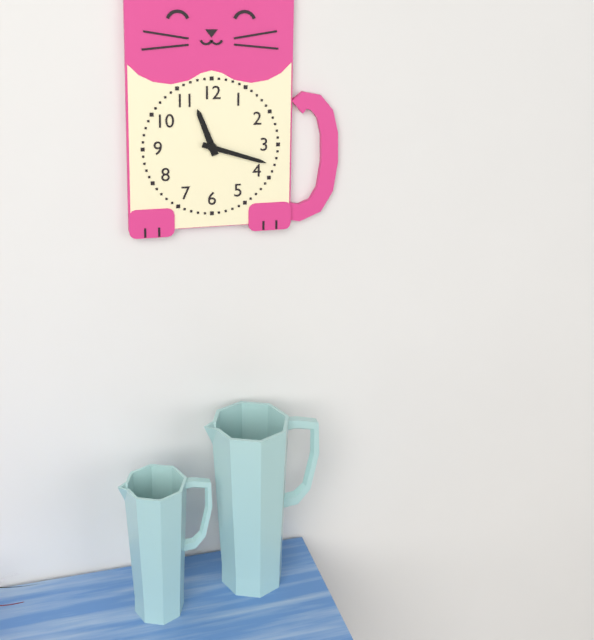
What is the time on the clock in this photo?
11:18
